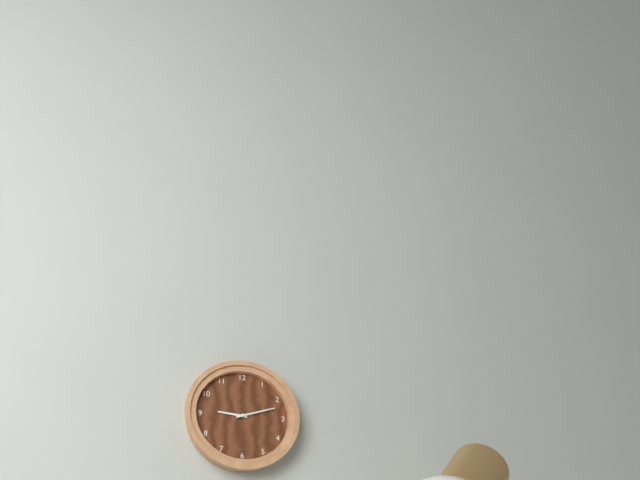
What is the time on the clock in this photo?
9:12
